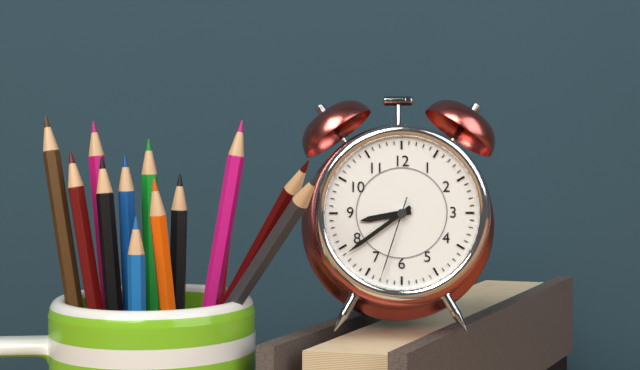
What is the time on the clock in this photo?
8:39:33
